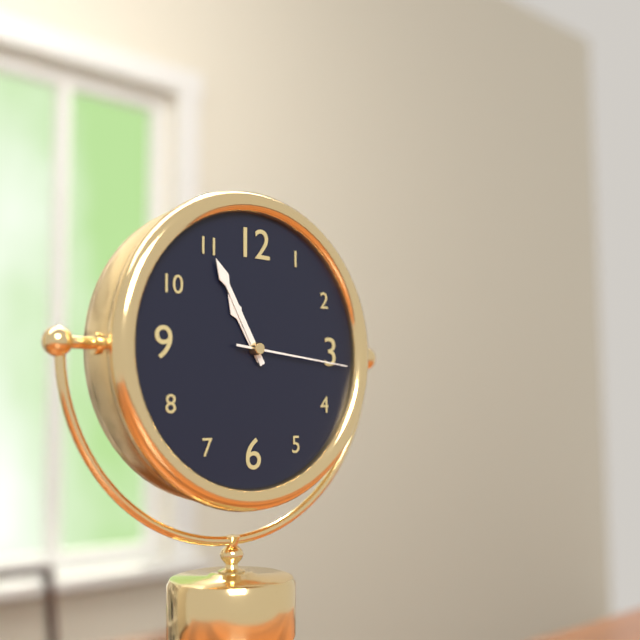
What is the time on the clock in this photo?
10:55:16
